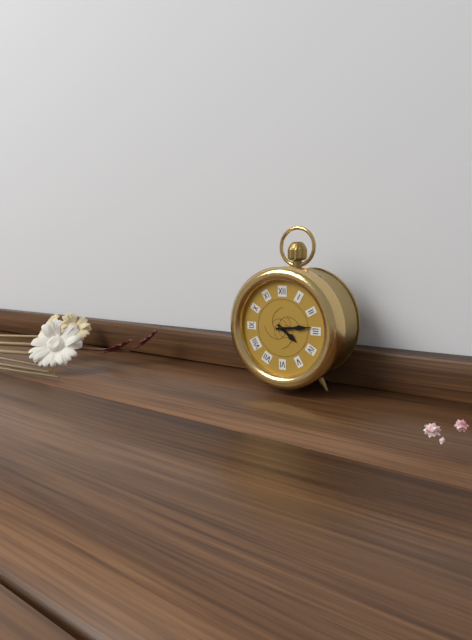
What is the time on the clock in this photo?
4:14
